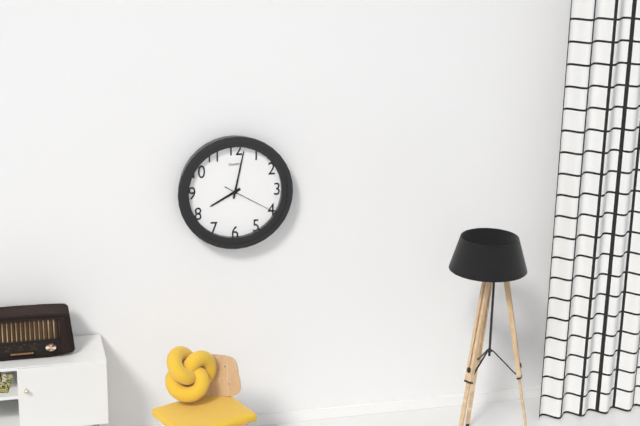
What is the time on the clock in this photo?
8:02:20
